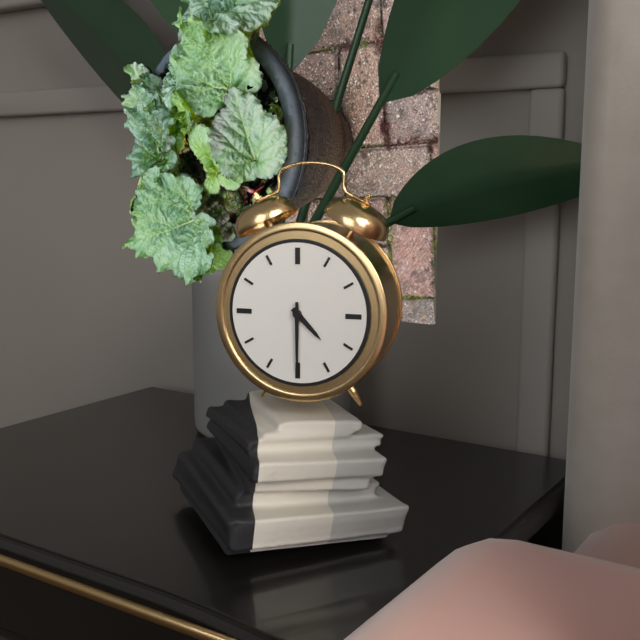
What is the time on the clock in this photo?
4:30
